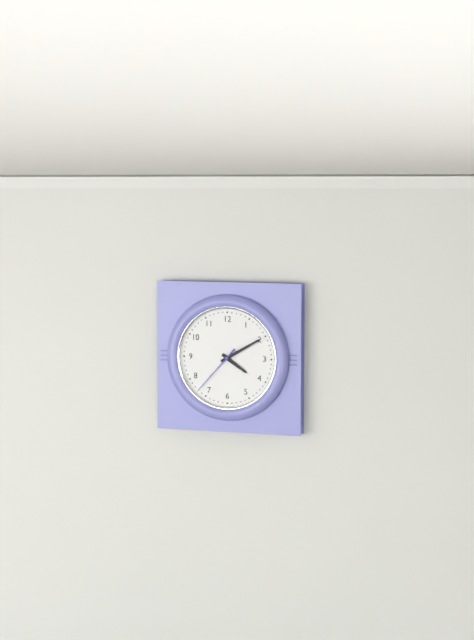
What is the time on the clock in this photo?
4:10:37
